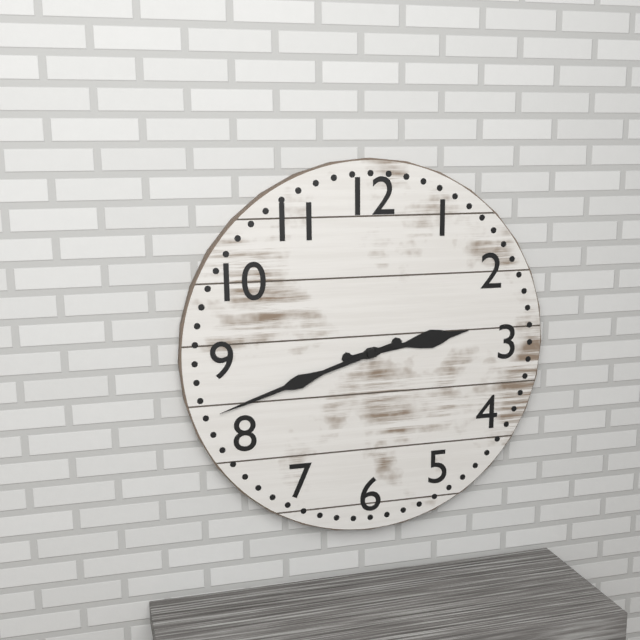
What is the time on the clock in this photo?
2:42
